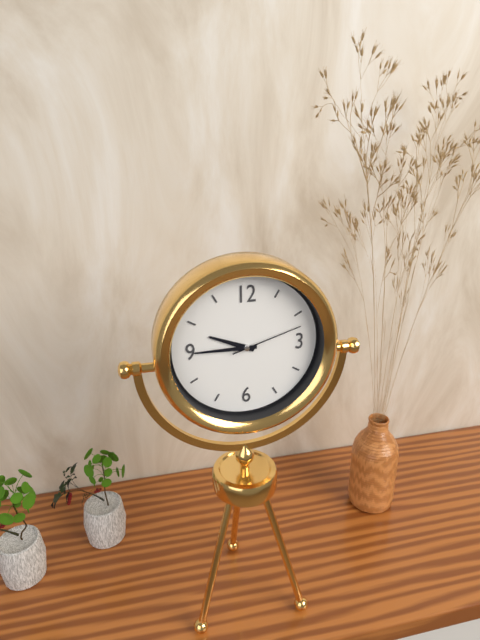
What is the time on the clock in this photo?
9:45:12
